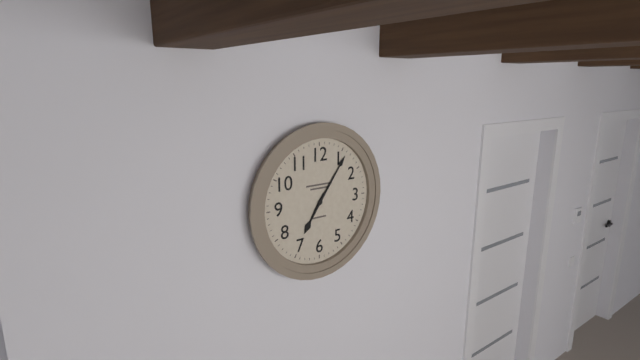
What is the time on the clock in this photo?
7:06
